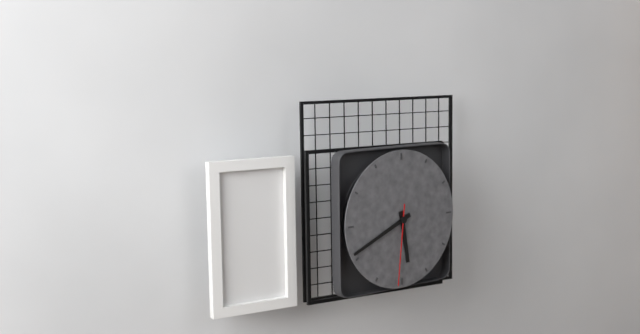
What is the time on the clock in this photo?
5:41:31
